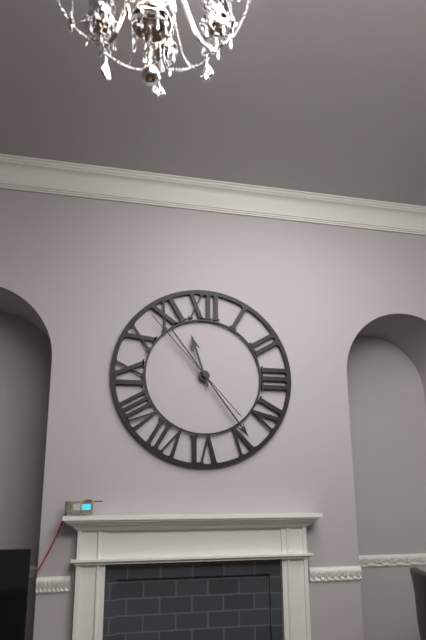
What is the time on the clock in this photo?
11:24:53
